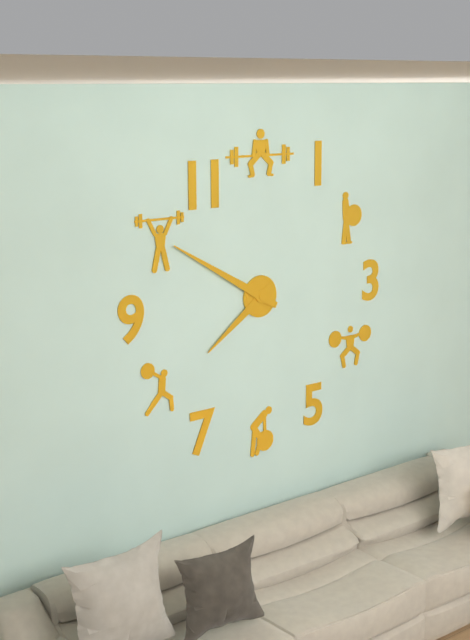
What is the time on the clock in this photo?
7:50
